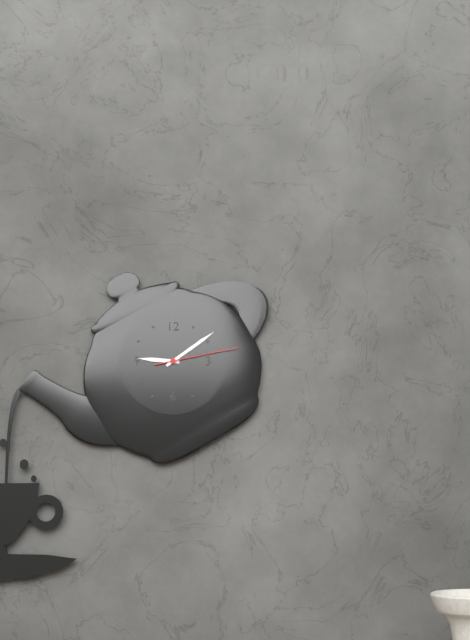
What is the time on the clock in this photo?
9:09:13
